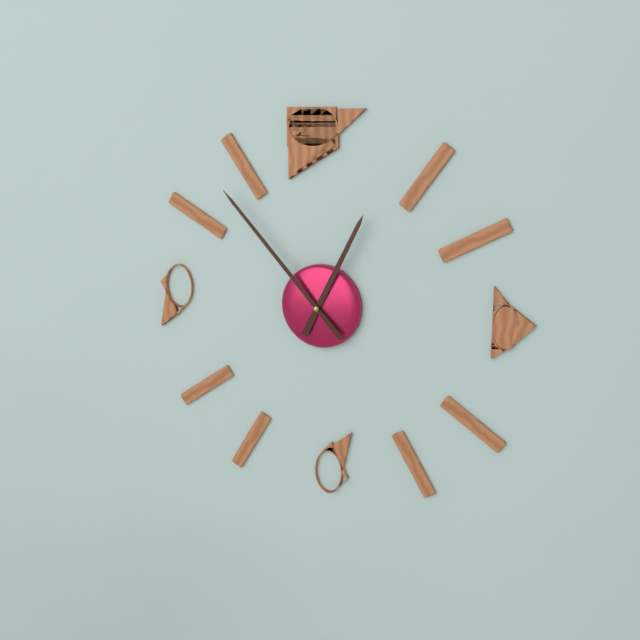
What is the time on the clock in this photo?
12:53
